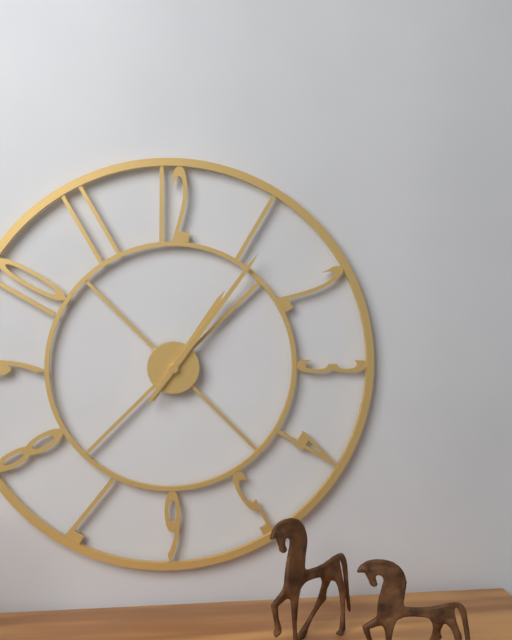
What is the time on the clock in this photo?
1:06
